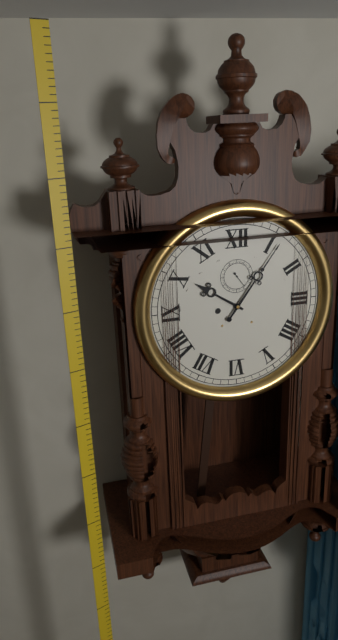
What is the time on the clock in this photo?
10:06
